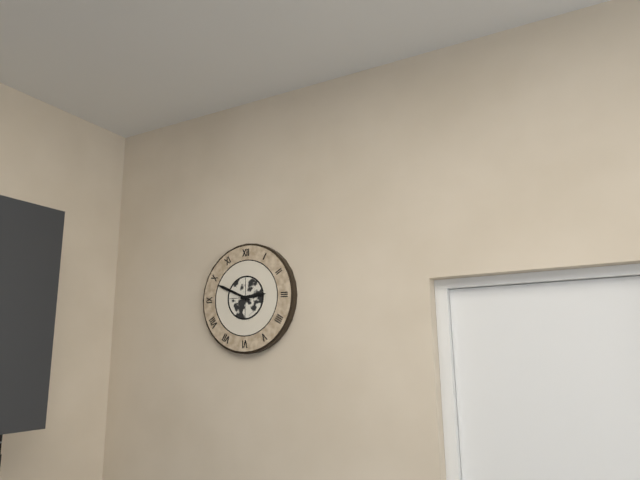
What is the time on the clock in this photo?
2:49
